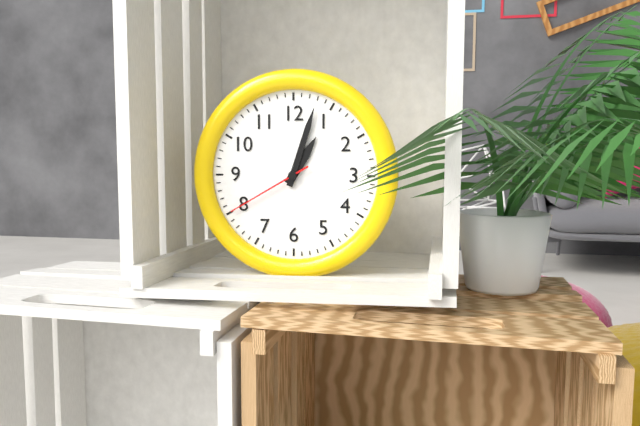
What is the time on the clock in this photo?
1:03:40
